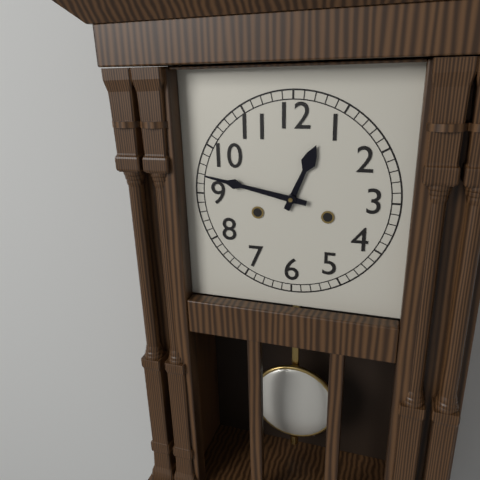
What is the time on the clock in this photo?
12:47
